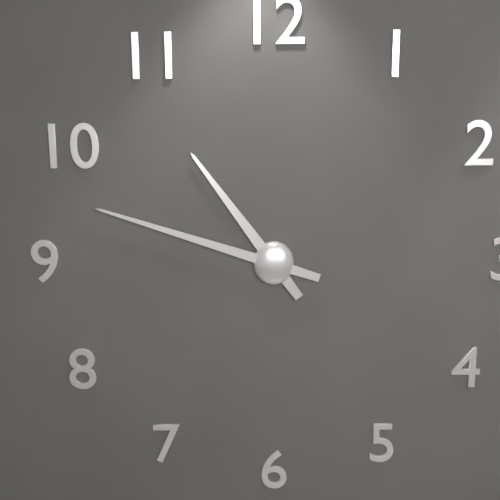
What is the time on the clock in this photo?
10:48
